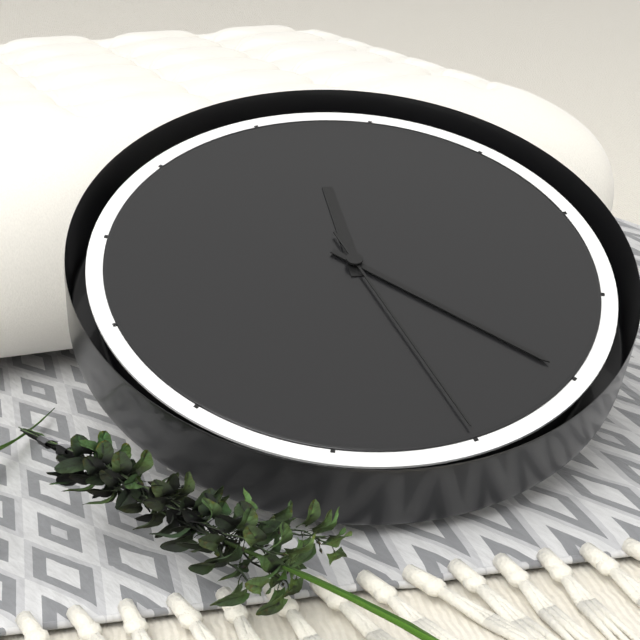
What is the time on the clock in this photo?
12:25:30
